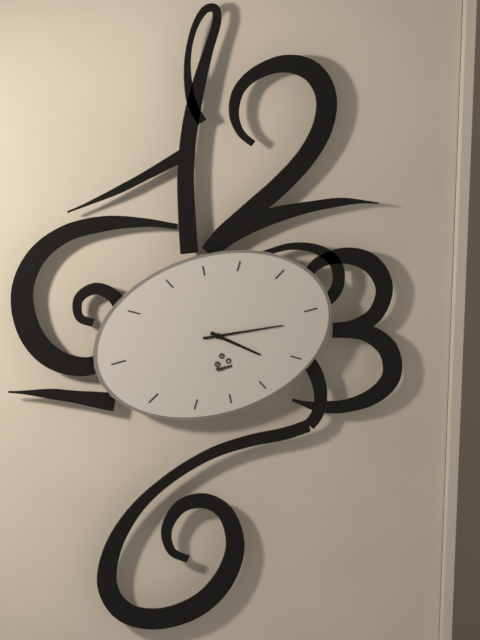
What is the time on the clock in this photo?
4:16
